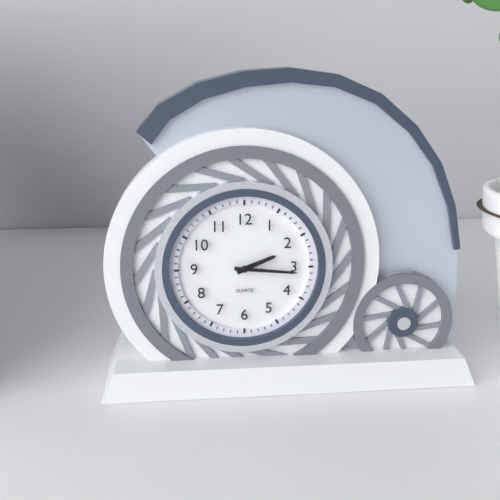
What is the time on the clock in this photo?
2:16
